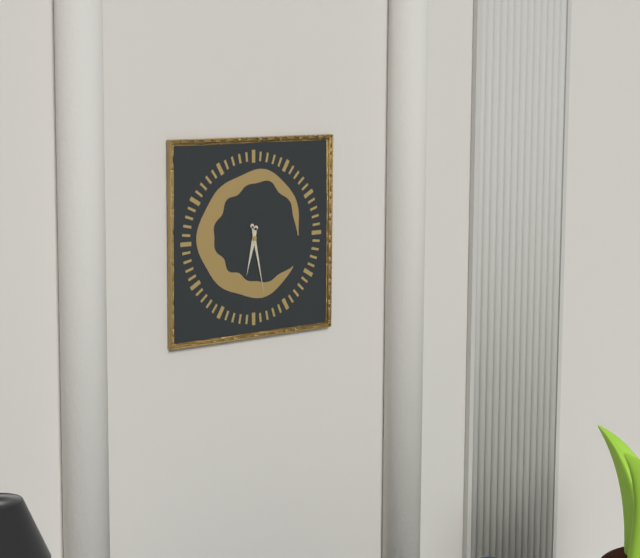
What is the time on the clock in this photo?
6:28
